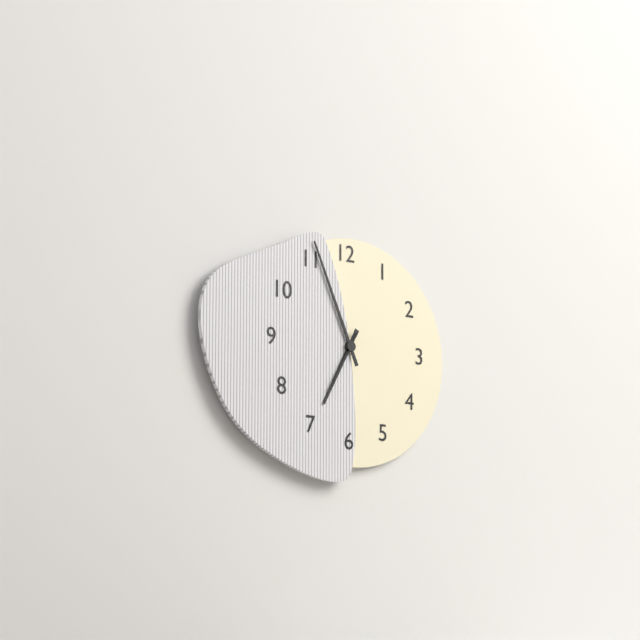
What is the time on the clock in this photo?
6:56:35
